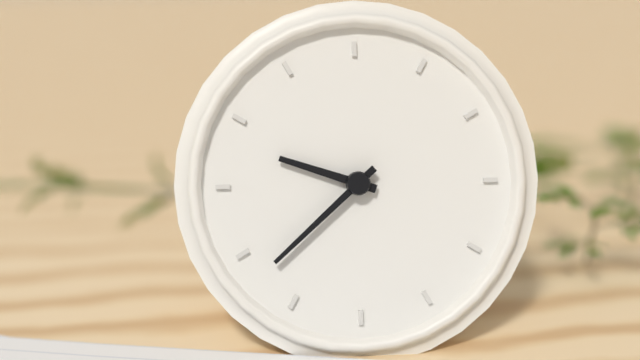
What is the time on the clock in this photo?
9:38
